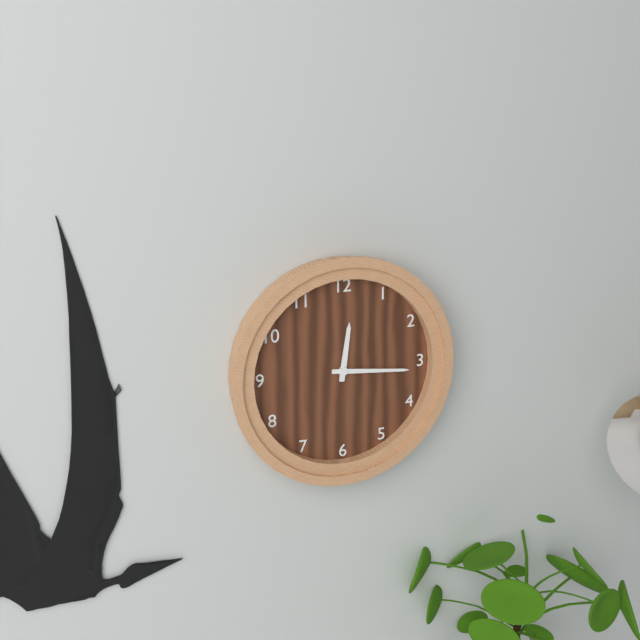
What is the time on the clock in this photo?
12:16
